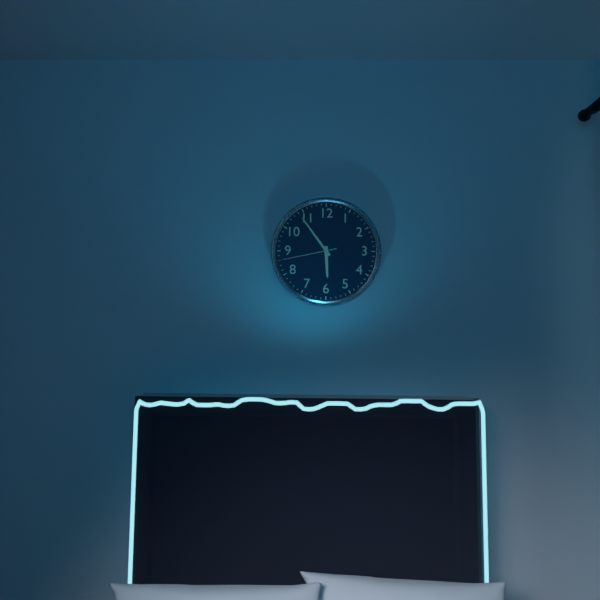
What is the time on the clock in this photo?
5:54:43
